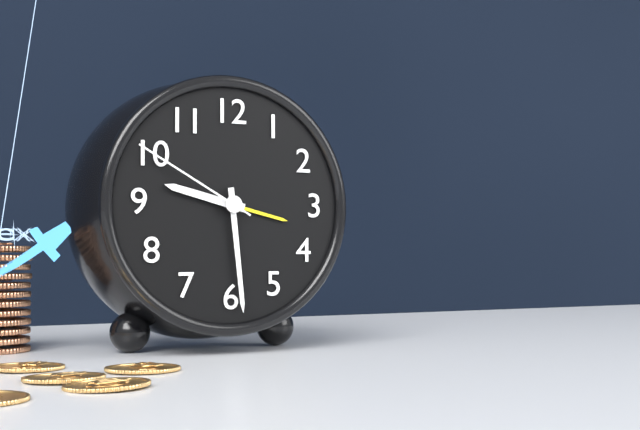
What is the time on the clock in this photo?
9:29:50
